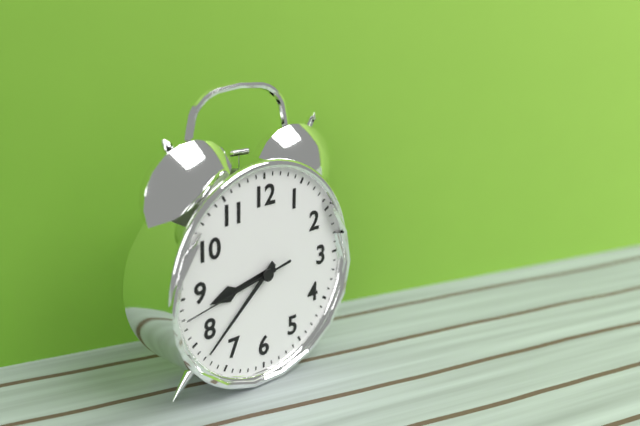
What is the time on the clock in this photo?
8:38:43
